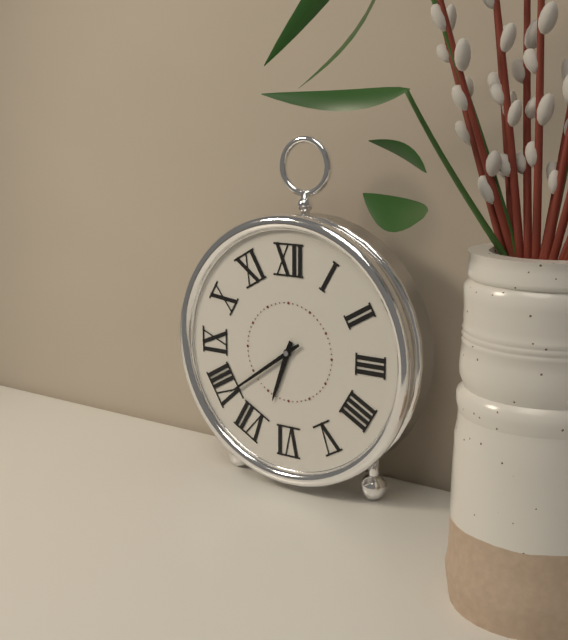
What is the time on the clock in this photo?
6:39
